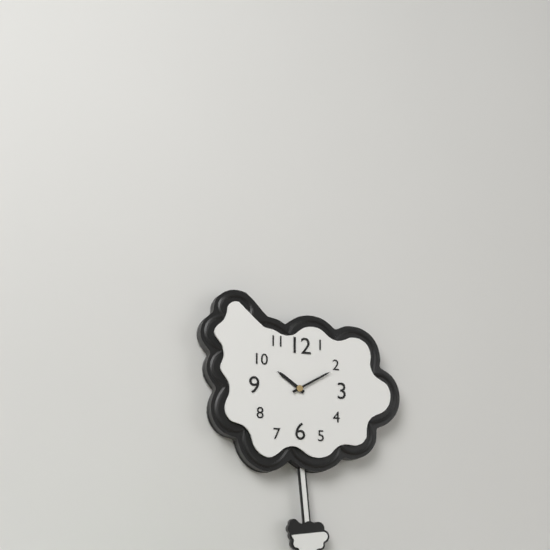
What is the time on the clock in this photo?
10:10
